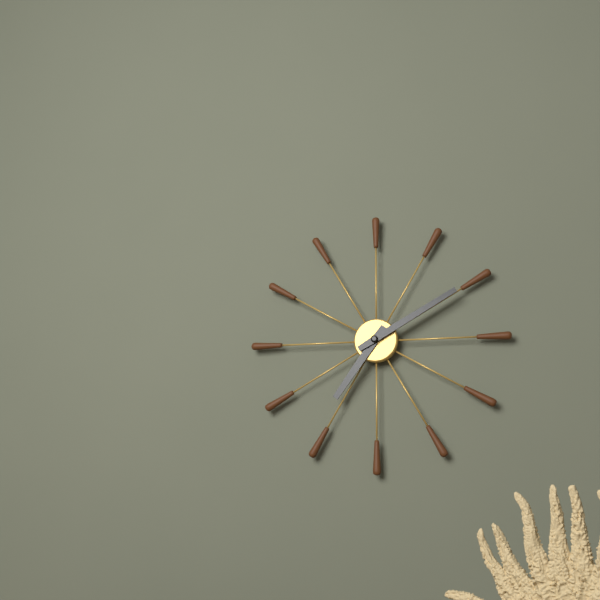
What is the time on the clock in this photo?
7:10
